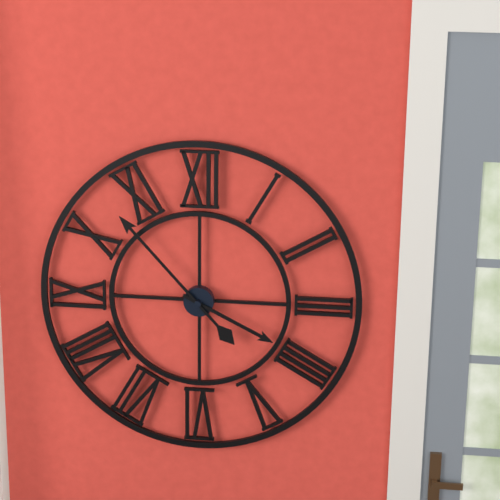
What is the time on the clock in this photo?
3:53
